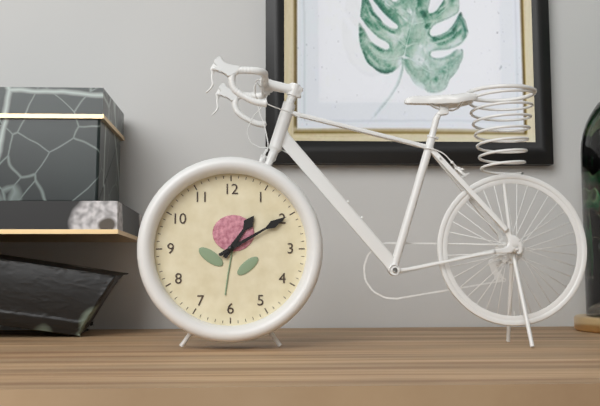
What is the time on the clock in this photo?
1:10
